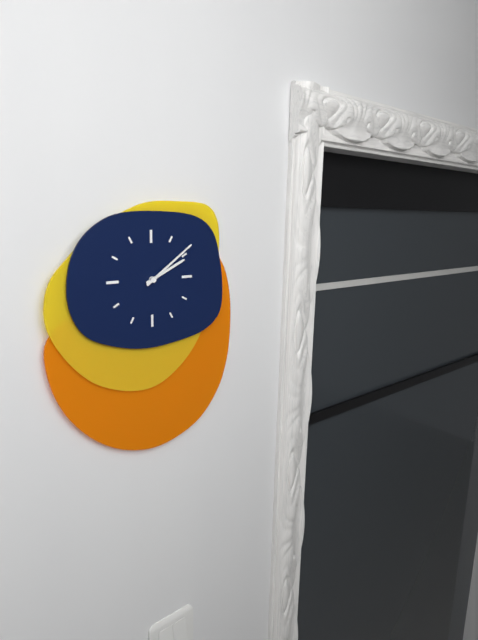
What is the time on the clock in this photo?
2:09
